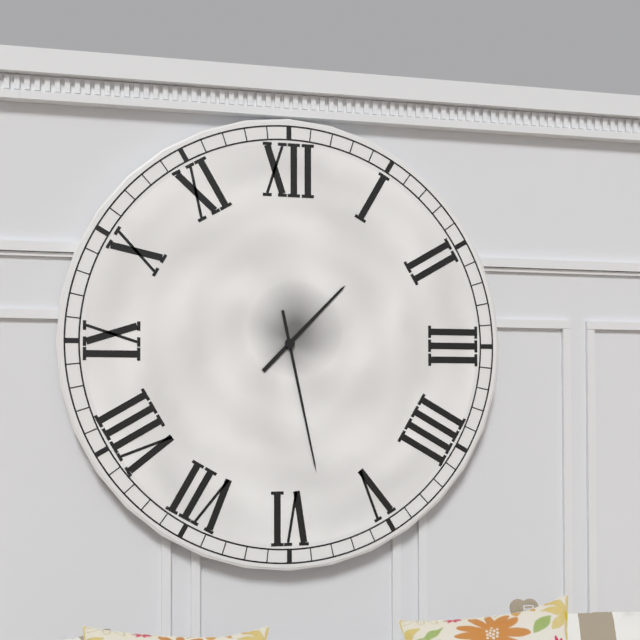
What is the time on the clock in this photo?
1:28
